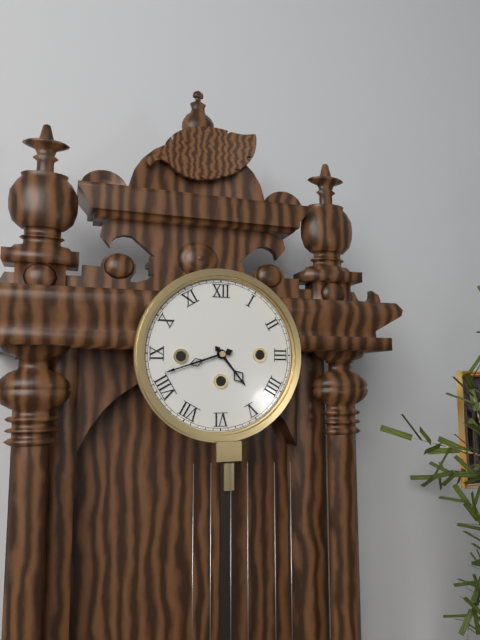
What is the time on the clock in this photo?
4:42
